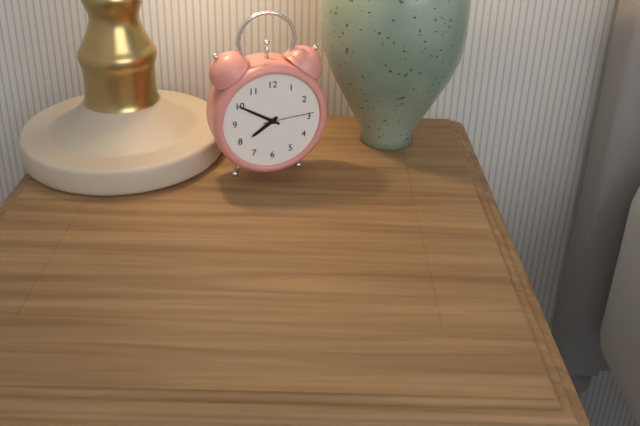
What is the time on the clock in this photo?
7:50:14
